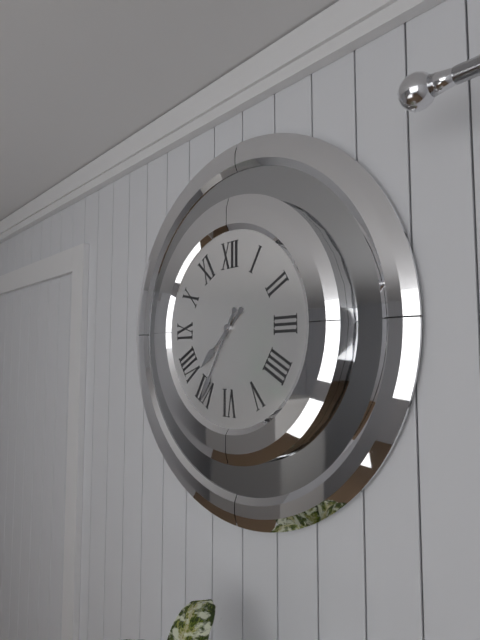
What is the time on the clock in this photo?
7:35
